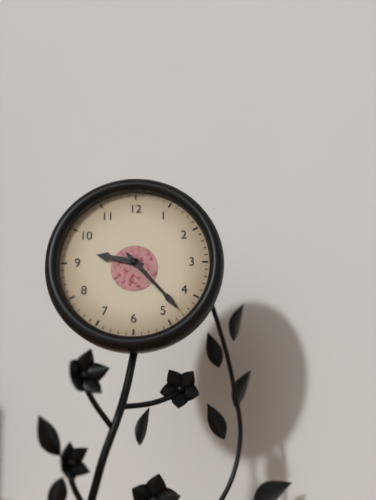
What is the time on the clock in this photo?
9:23
